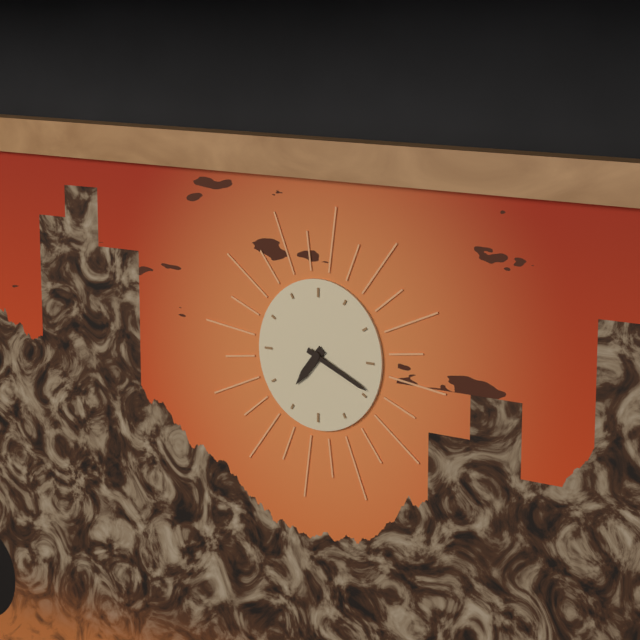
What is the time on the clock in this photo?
7:19
